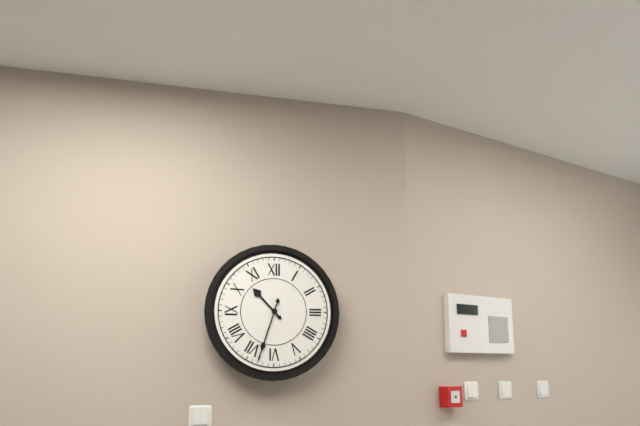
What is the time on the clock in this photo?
10:33
